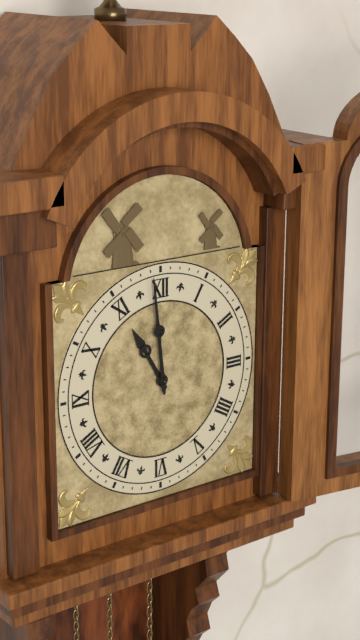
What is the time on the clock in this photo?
10:59
